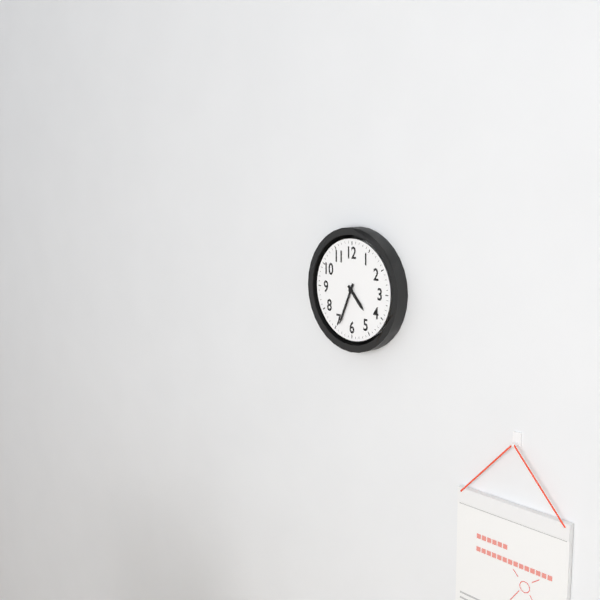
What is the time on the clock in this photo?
4:34
